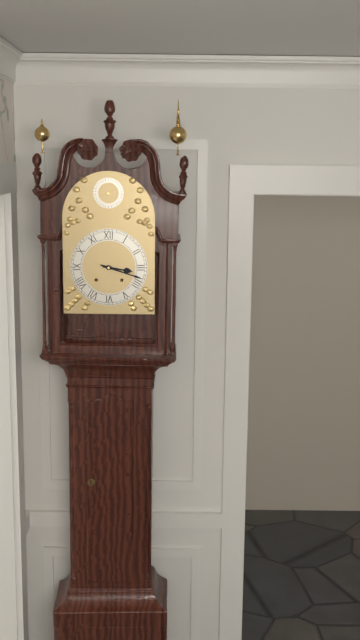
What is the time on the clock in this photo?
3:18
